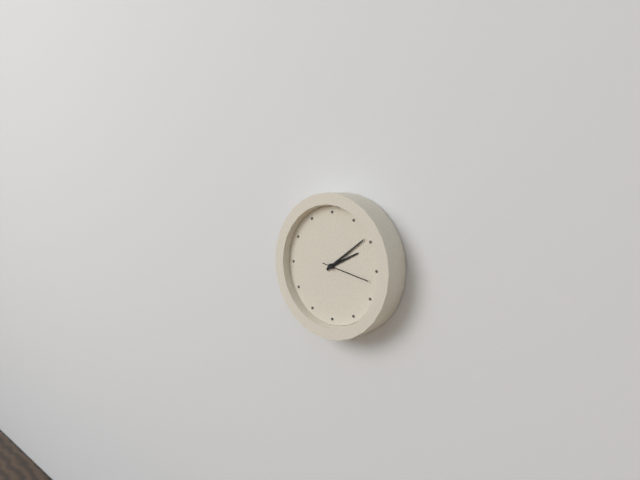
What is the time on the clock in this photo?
2:09
